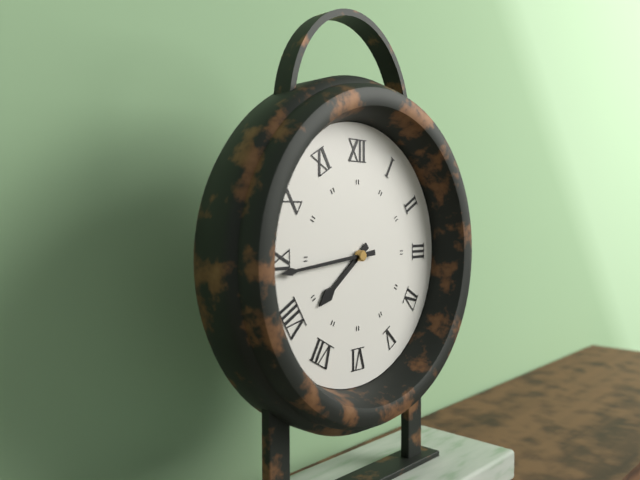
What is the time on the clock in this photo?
7:44
